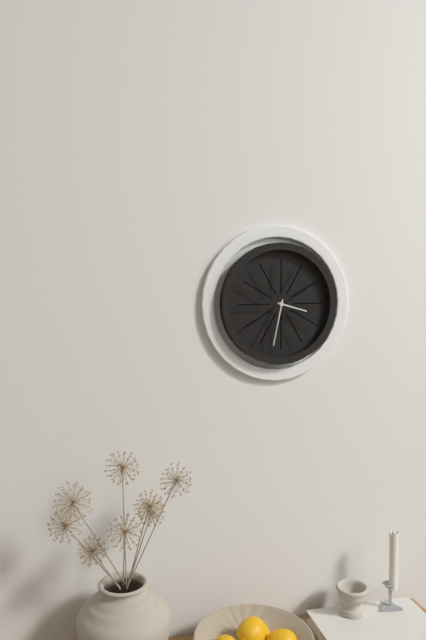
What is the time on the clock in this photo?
3:32
